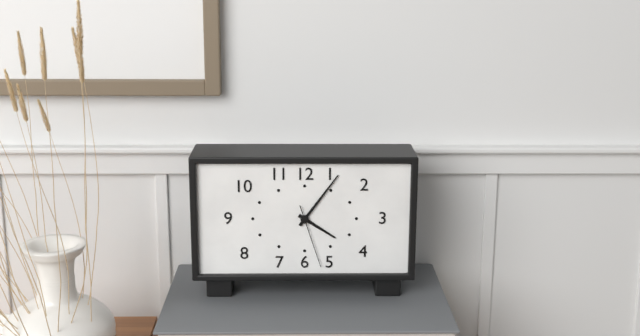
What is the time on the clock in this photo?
4:06:27
